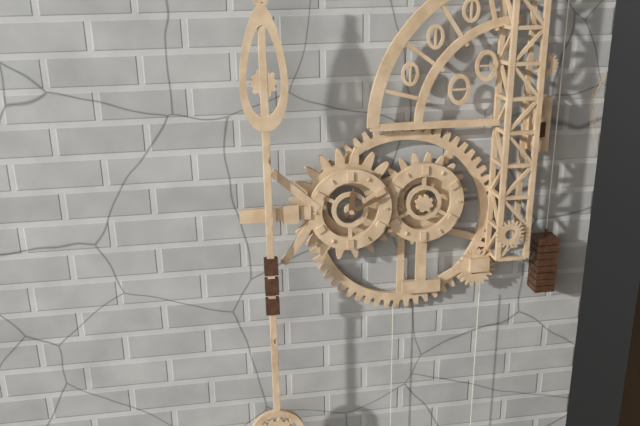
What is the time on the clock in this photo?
12:11
